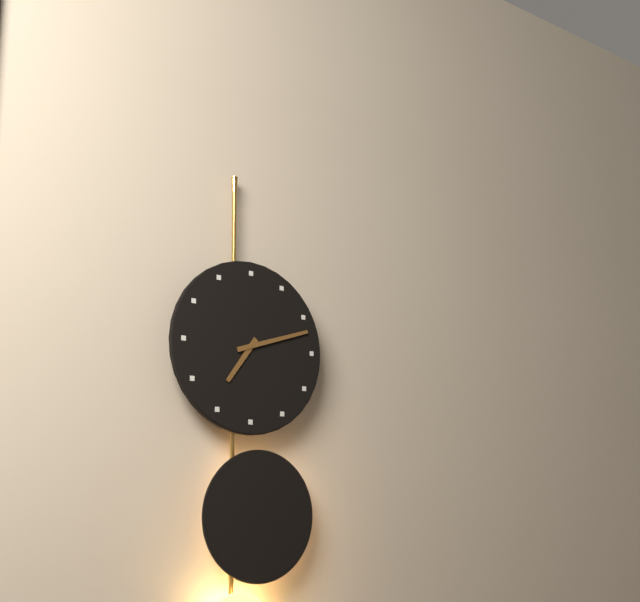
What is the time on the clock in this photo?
7:12
